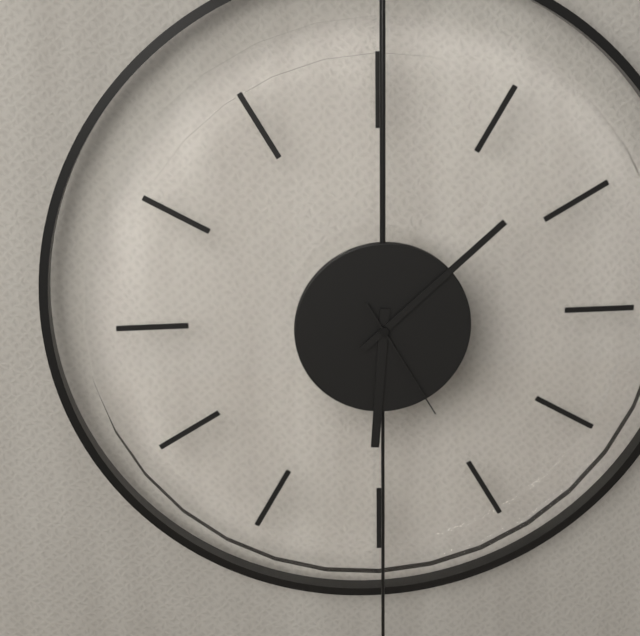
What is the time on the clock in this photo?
6:08:25
